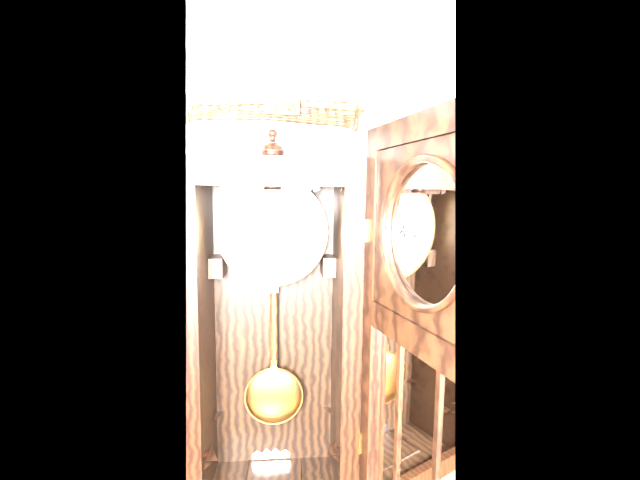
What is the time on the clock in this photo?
4:03
